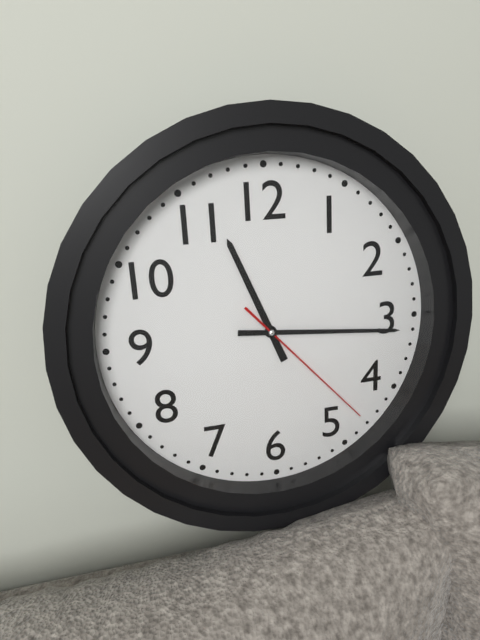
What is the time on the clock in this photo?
11:16:23
